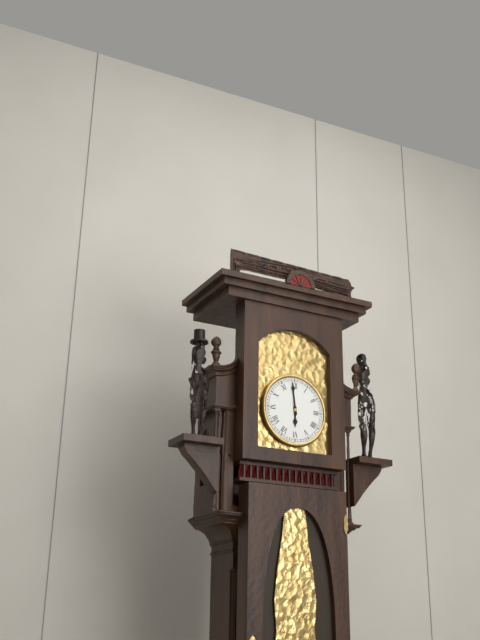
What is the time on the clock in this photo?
5:59
